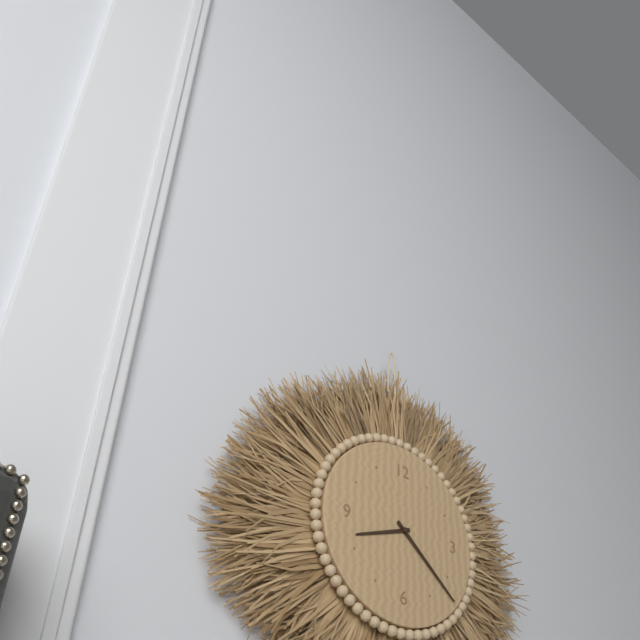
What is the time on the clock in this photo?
8:22
